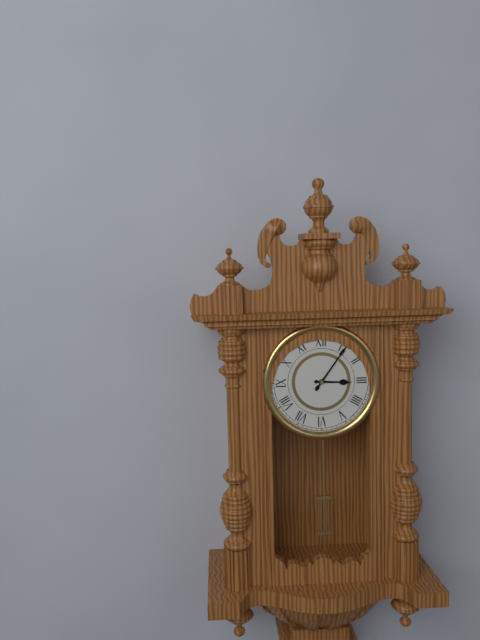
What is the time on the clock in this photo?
3:06
